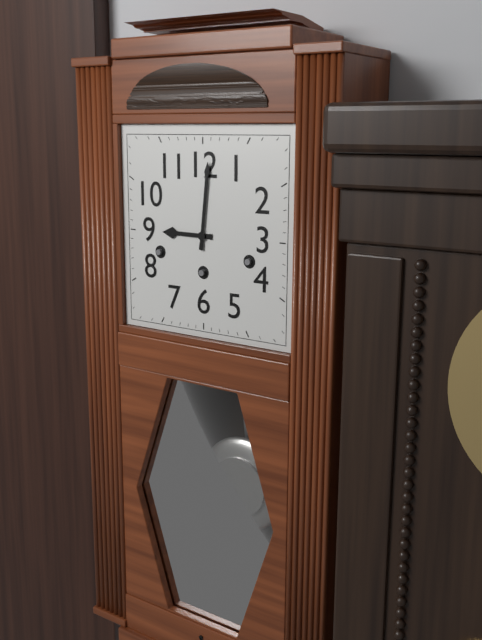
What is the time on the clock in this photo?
9:01
